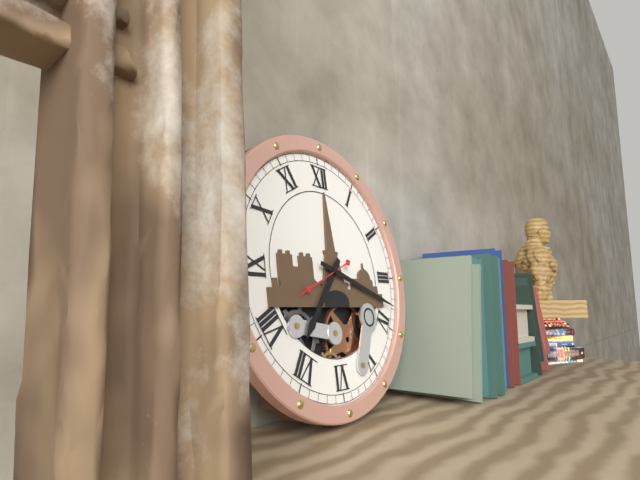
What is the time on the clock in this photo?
7:18
